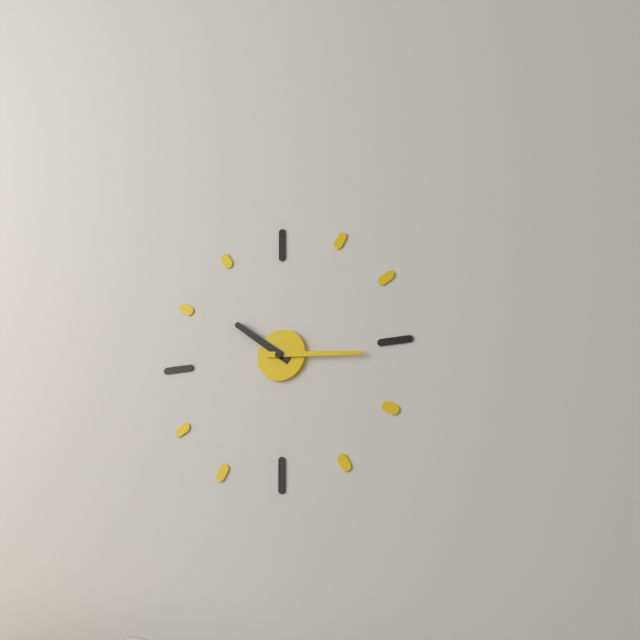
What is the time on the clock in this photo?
10:16
